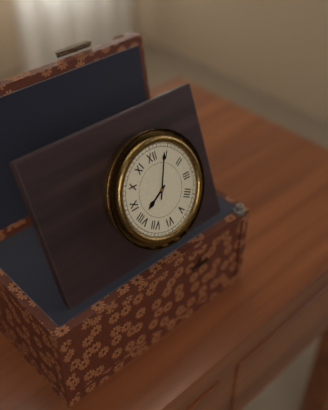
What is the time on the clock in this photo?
8:04
